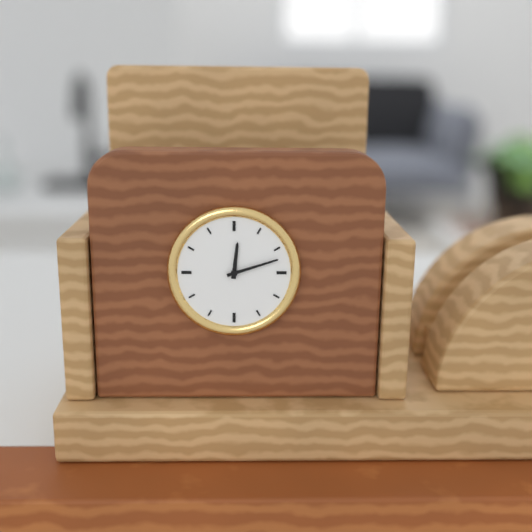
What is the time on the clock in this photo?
12:12
